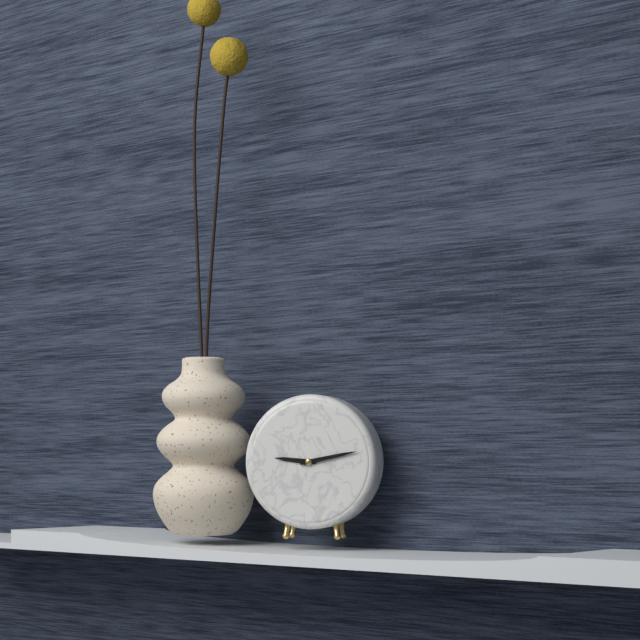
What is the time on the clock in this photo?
9:13
